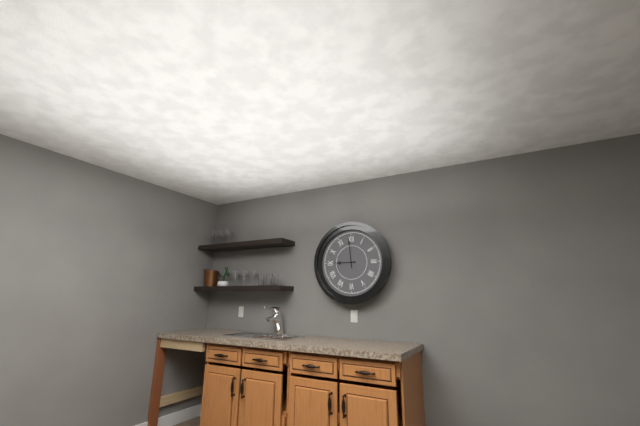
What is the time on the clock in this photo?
8:59
